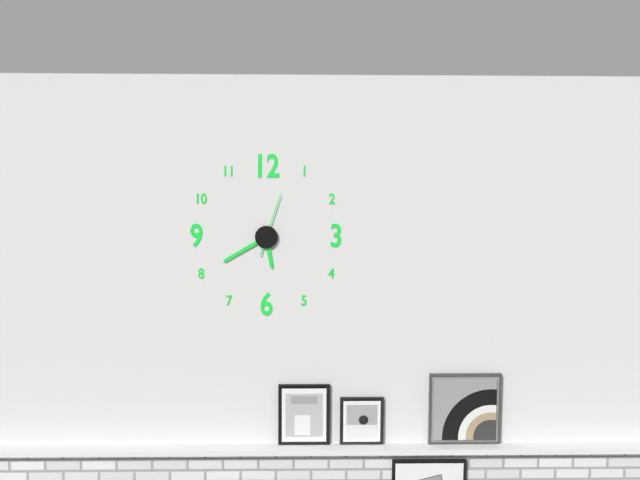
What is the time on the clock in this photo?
5:40:03
